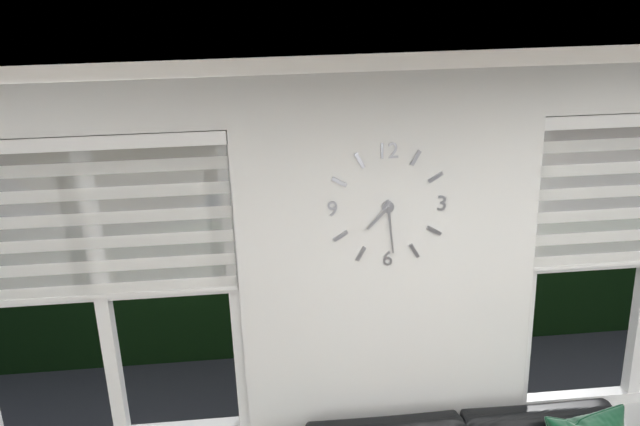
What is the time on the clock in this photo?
7:29
